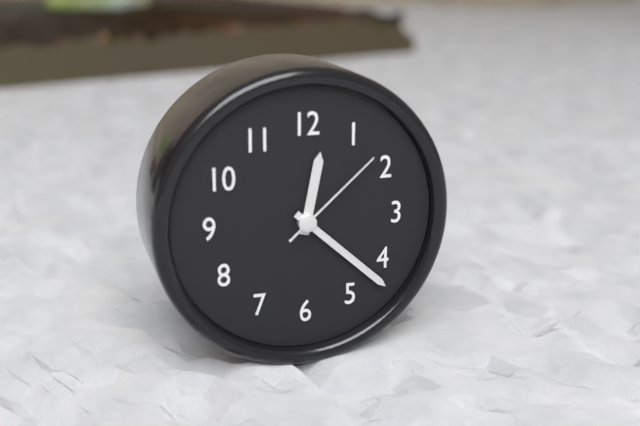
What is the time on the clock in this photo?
12:22:08
